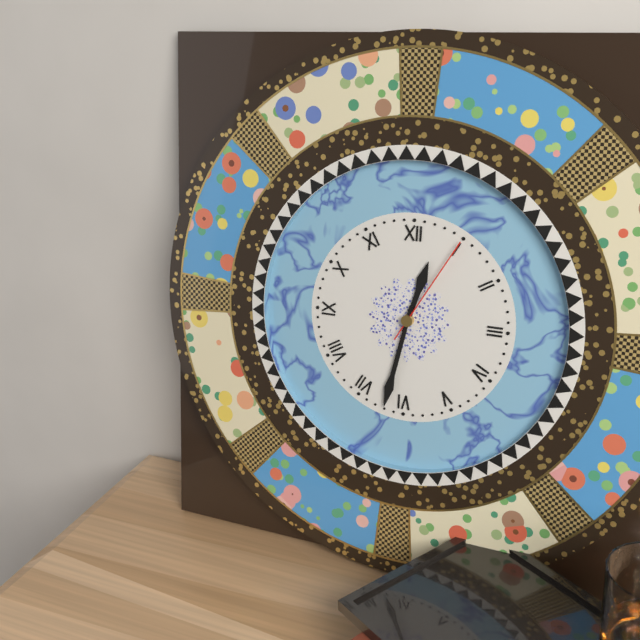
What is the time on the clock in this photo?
12:32:05
